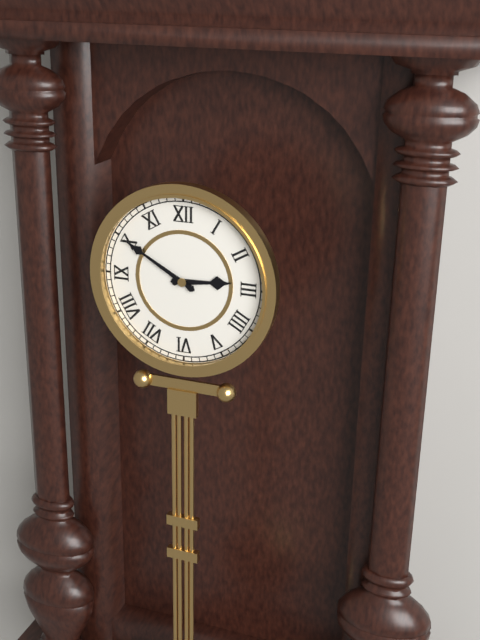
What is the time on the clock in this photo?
2:50
